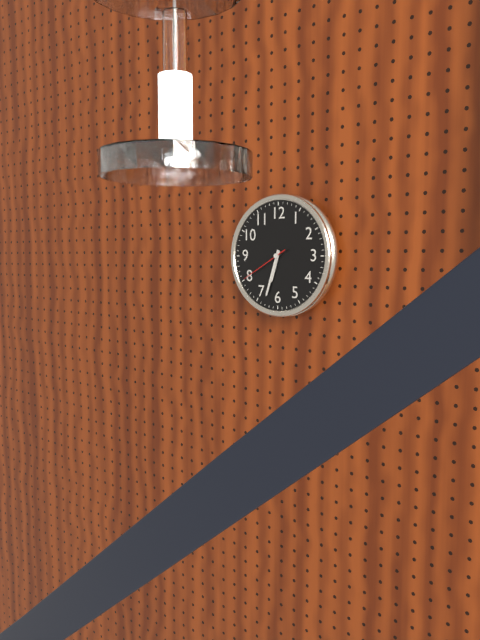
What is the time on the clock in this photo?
6:33:40
